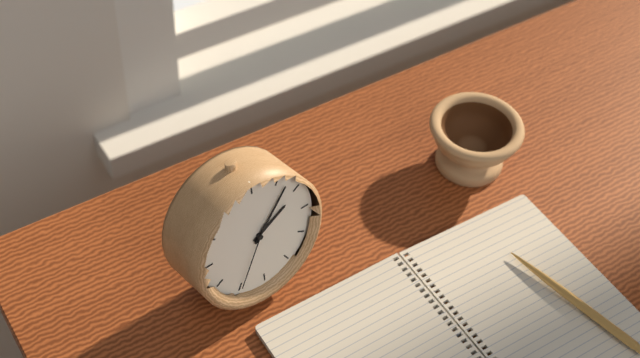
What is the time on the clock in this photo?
2:07:35
